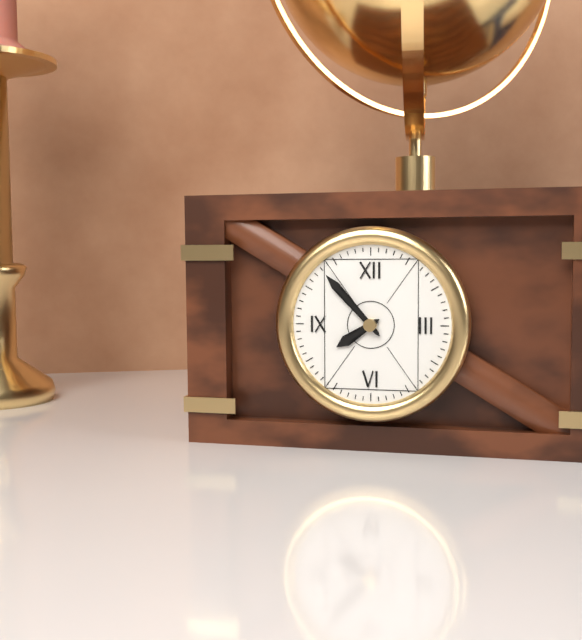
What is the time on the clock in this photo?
7:53
